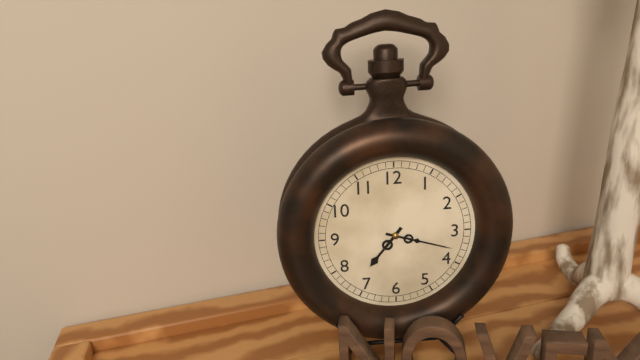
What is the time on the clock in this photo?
7:18
